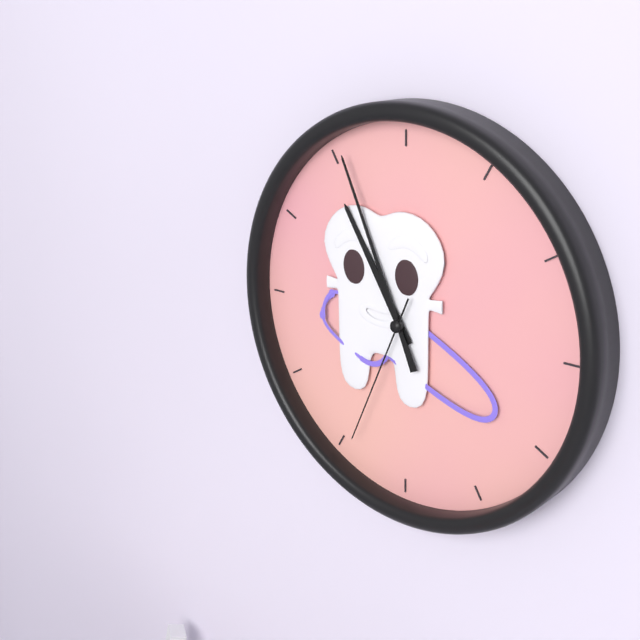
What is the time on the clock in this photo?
10:56:34
